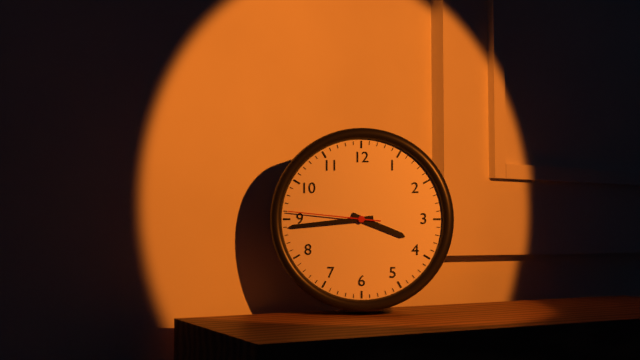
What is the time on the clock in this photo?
3:44:46
